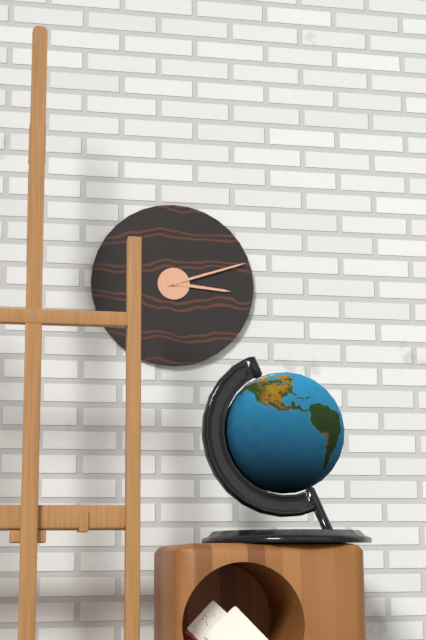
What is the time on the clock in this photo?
3:12
